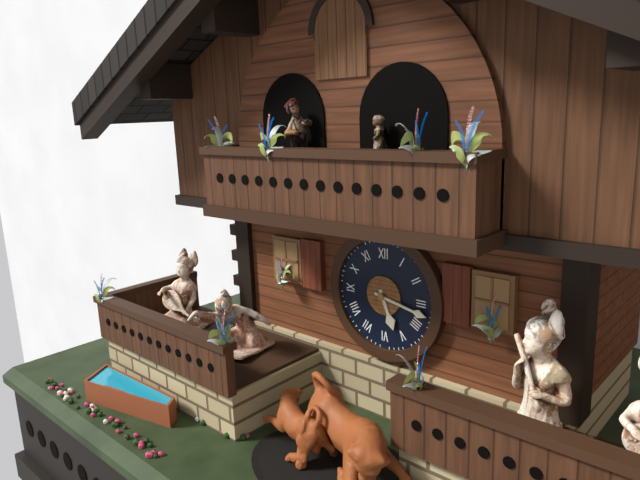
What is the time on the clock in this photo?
5:17
